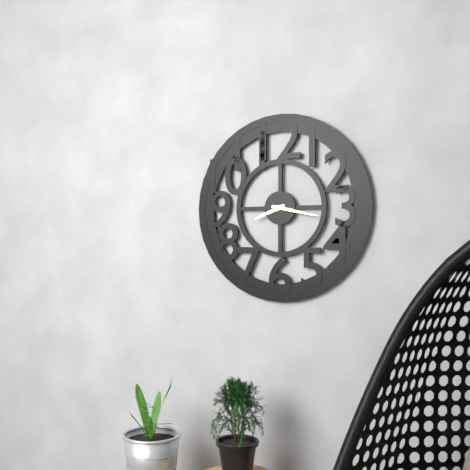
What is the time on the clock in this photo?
8:17
